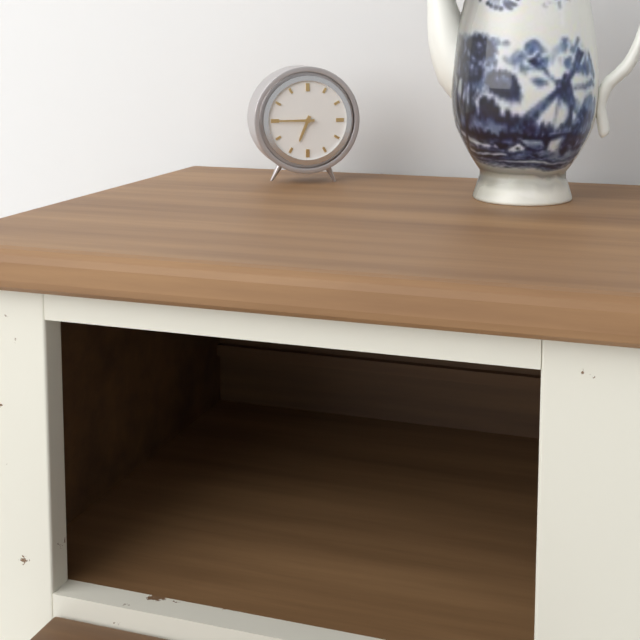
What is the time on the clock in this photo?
6:45
